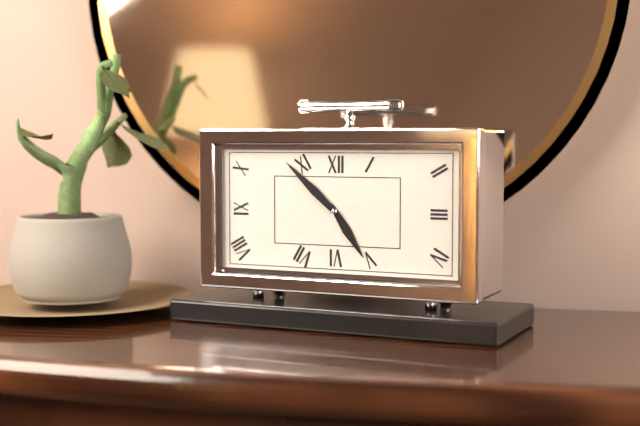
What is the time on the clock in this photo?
4:52
